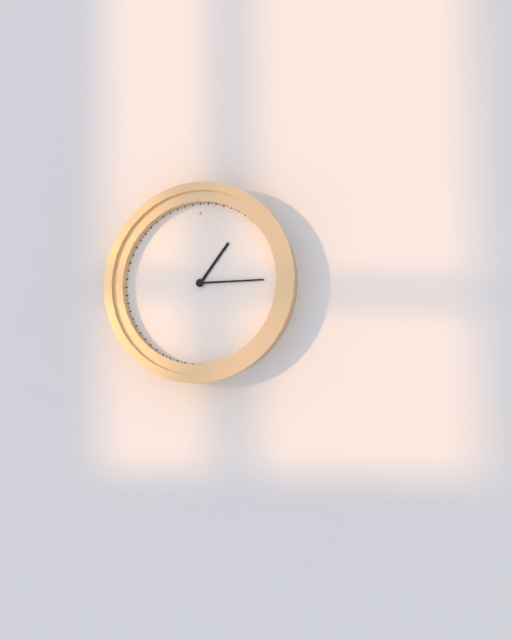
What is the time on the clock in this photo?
1:15
